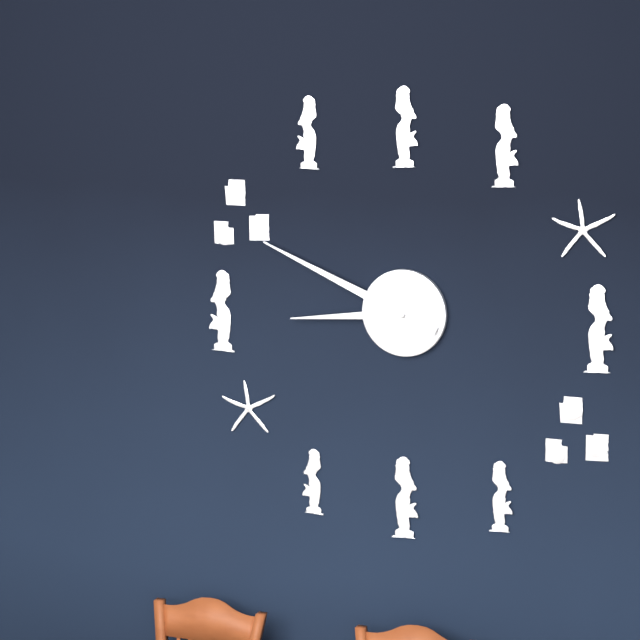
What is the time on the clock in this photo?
8:49
